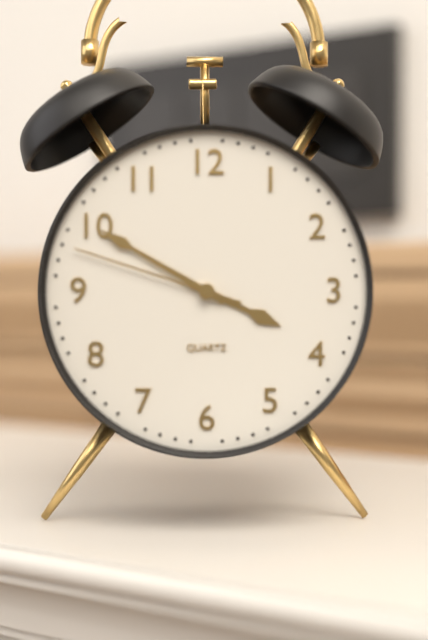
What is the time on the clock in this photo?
3:50:48
